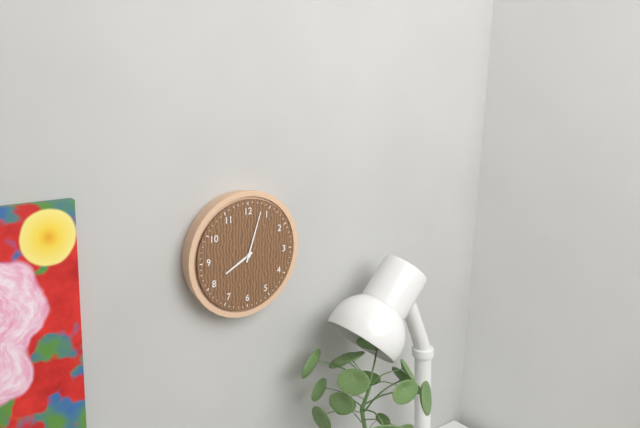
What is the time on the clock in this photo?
8:03
